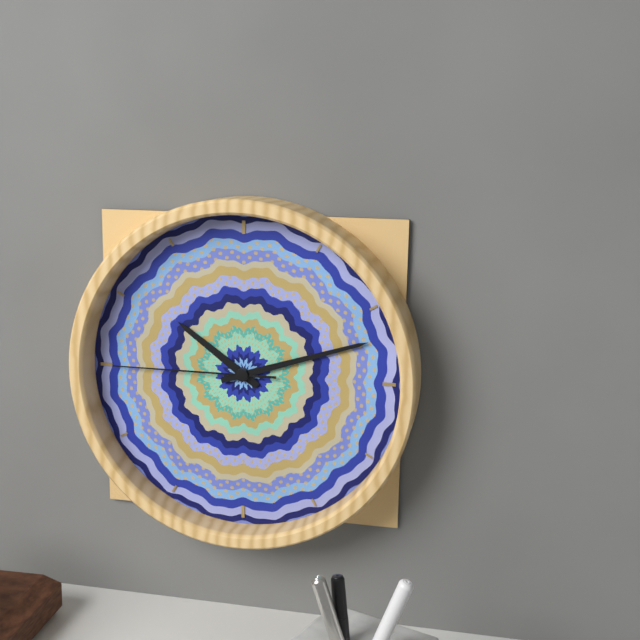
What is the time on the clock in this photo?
10:12:45
